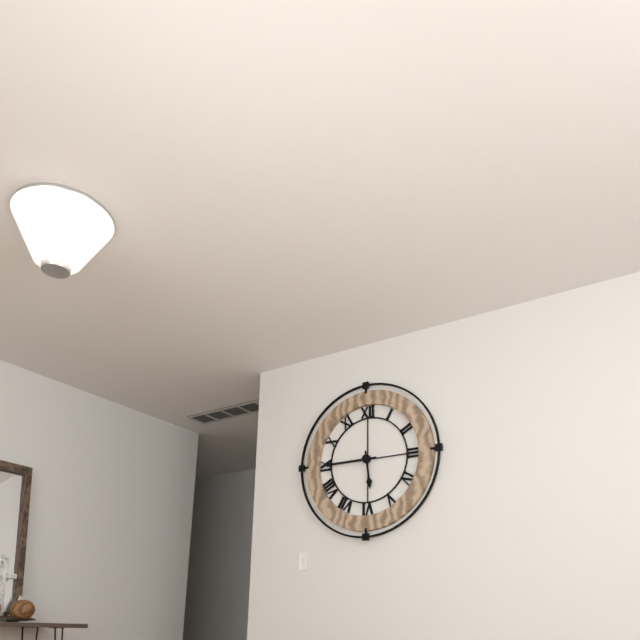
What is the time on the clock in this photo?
5:45
